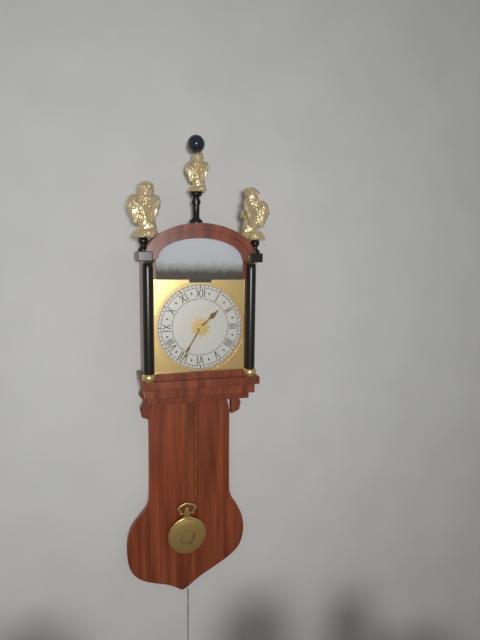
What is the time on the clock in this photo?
1:35
